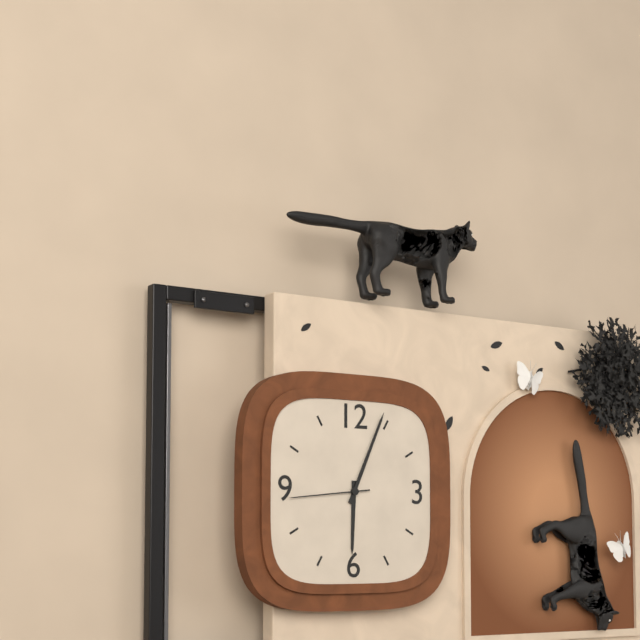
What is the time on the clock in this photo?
6:04:44
